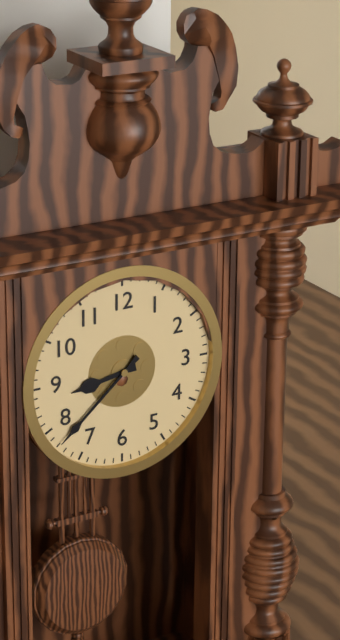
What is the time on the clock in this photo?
8:38
